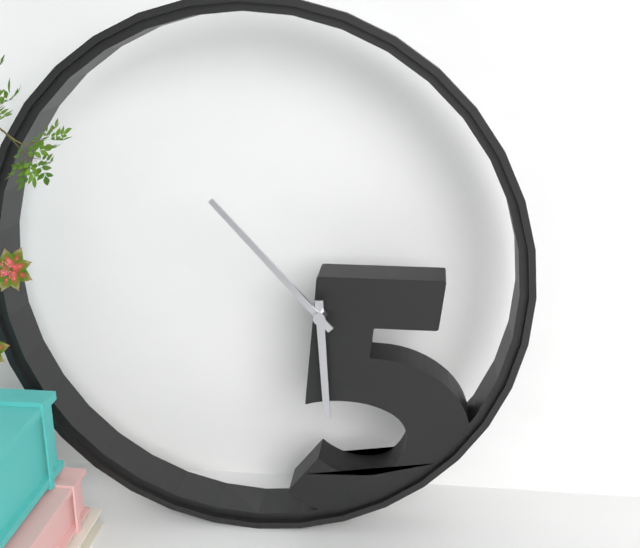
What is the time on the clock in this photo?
5:53
